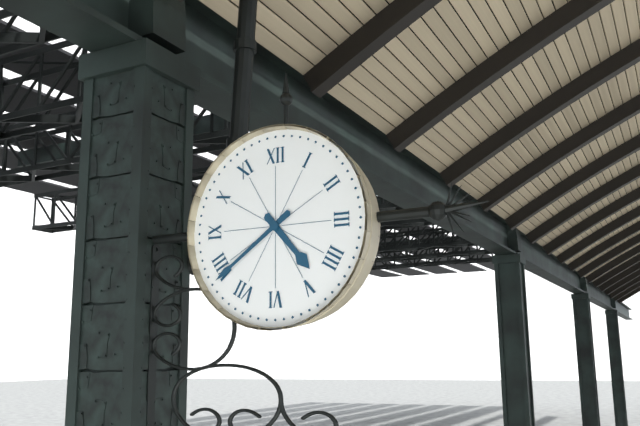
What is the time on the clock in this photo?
4:39
